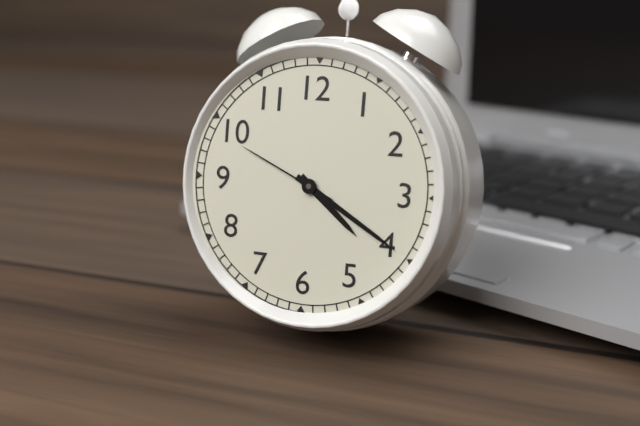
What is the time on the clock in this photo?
4:20:49
